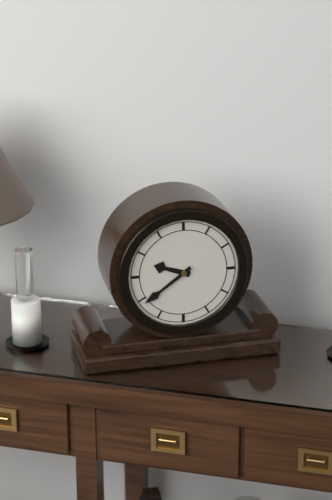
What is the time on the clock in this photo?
9:39
